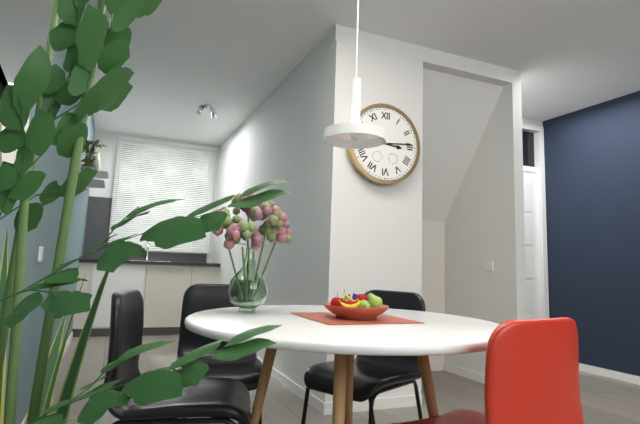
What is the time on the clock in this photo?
3:14
